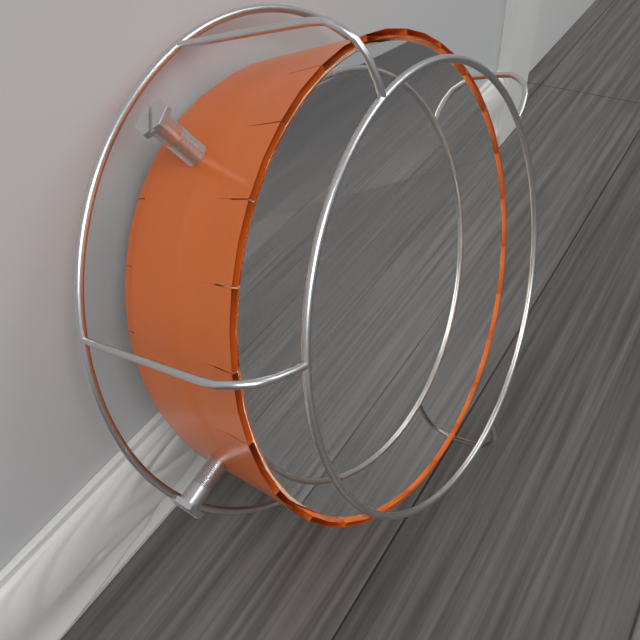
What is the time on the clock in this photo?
6:57
